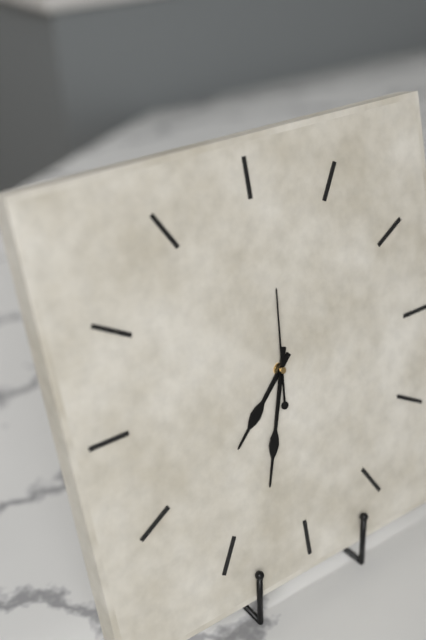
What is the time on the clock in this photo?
7:33:01
